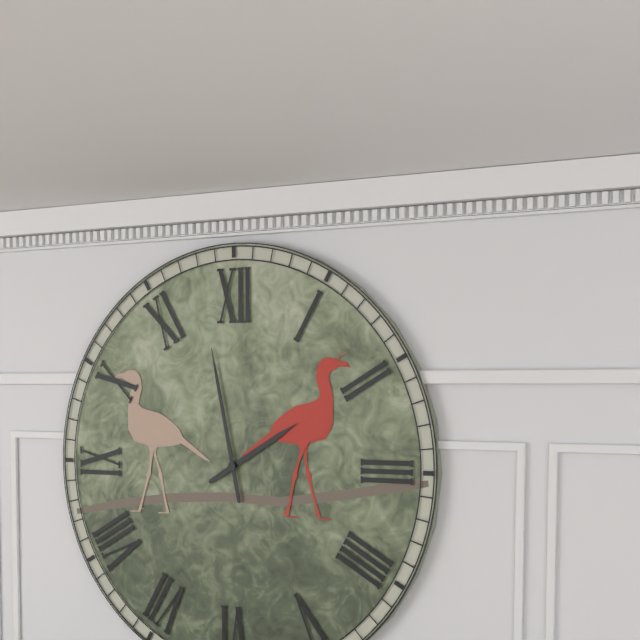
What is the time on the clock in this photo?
1:58
